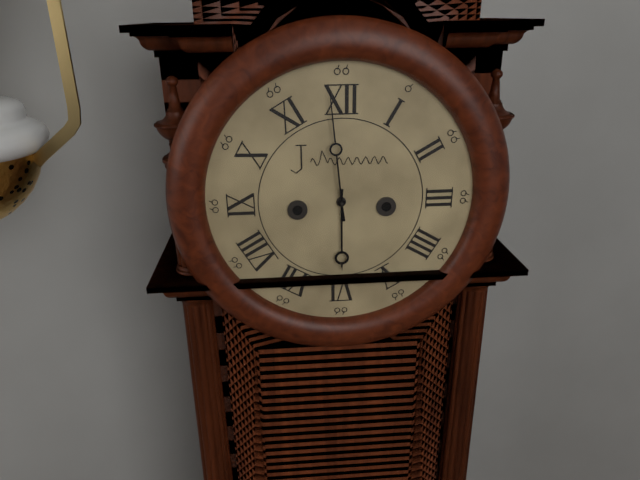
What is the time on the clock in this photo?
5:59
